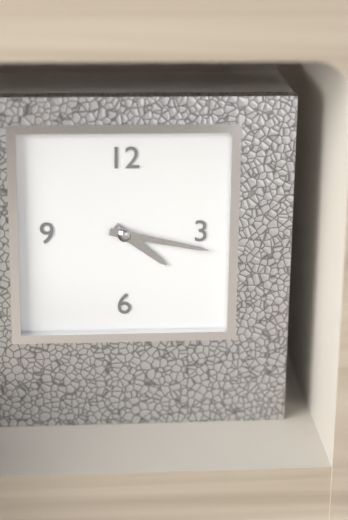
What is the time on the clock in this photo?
4:17
